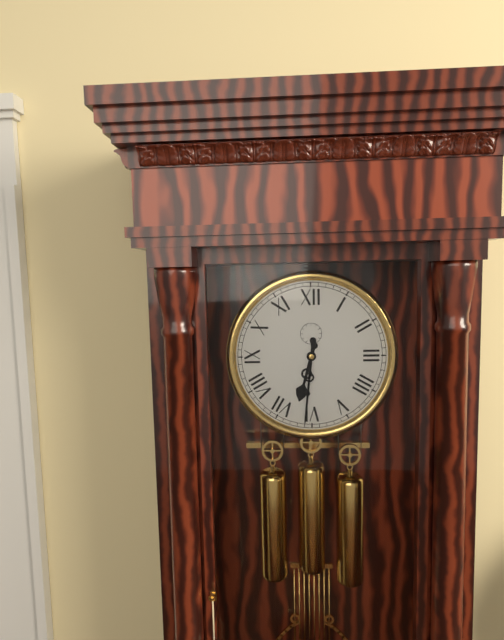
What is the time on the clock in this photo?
6:31
